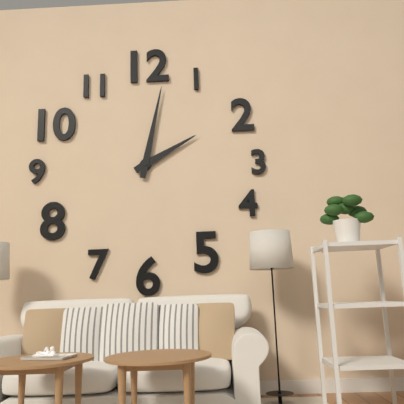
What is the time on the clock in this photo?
2:02
